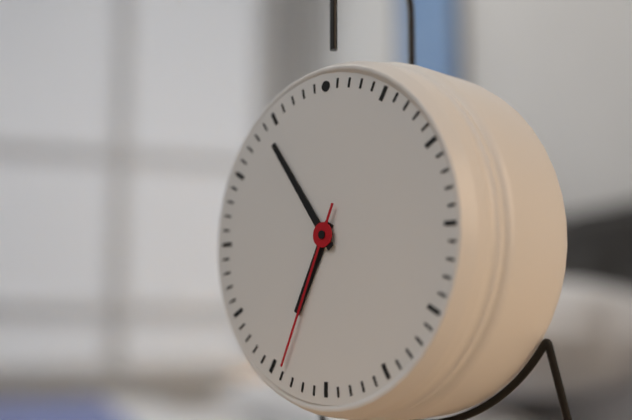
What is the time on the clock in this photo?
6:54:34
